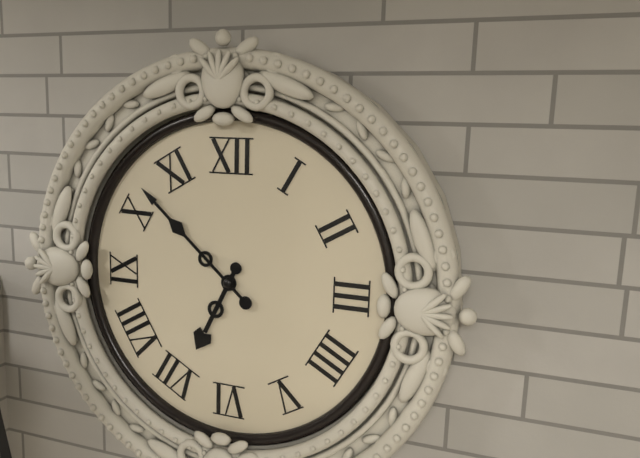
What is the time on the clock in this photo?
6:52
